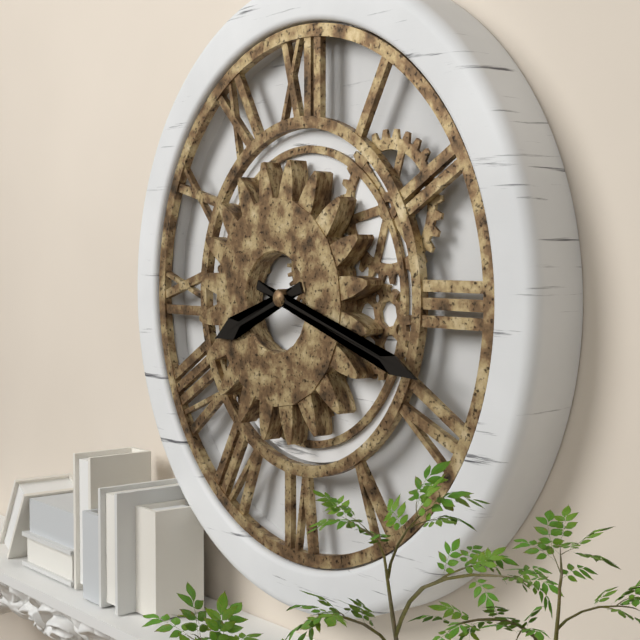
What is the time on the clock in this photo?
8:18
